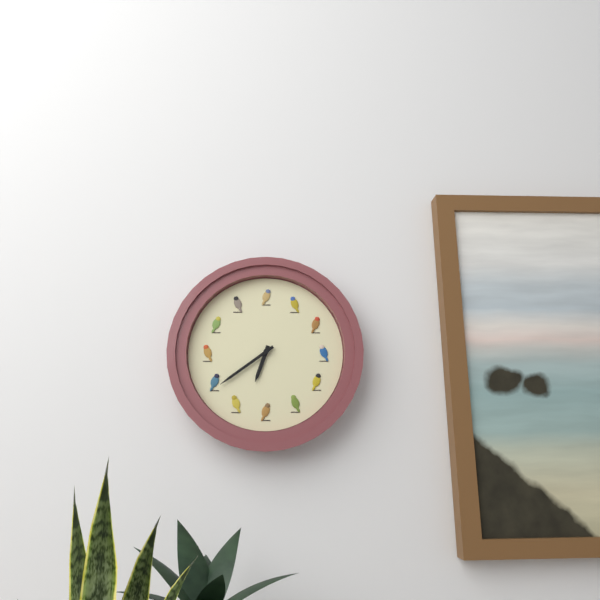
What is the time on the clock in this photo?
6:39
